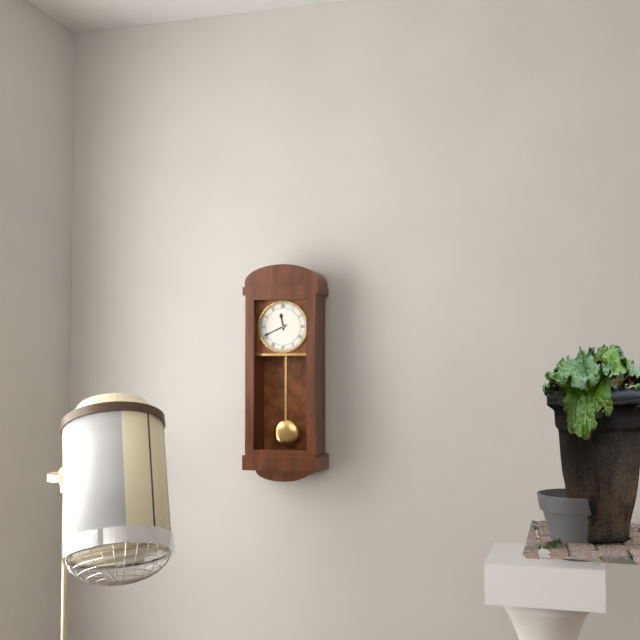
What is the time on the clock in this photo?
11:41
